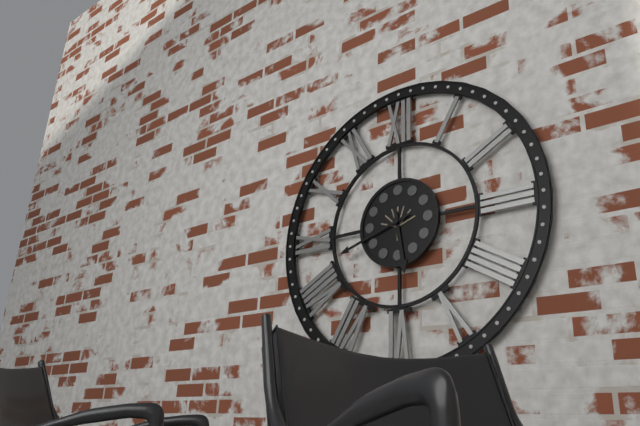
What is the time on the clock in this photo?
5:42
